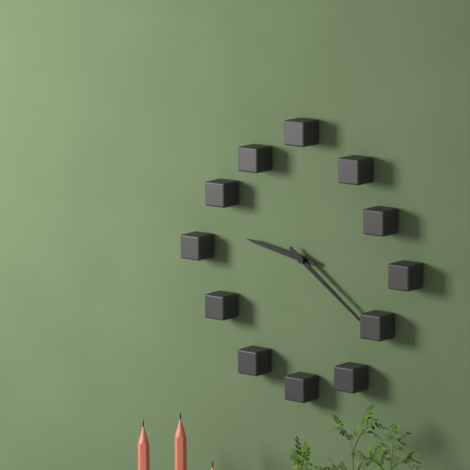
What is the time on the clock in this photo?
9:21
